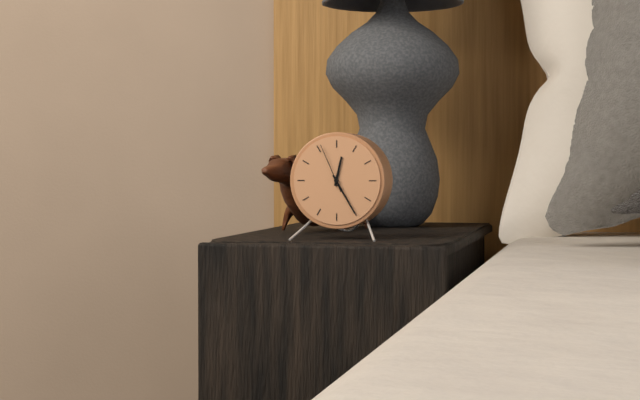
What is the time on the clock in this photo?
12:25
